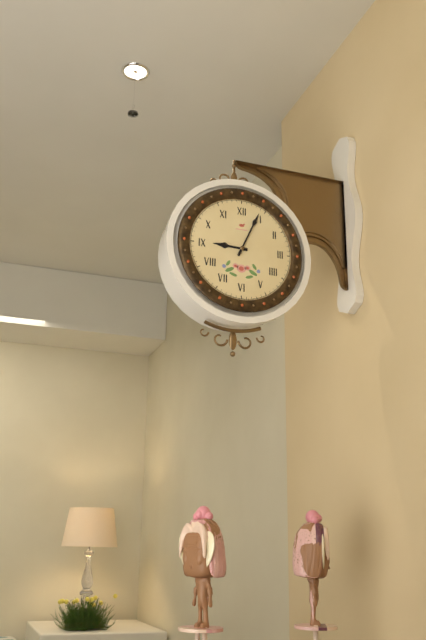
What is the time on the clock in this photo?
9:04
